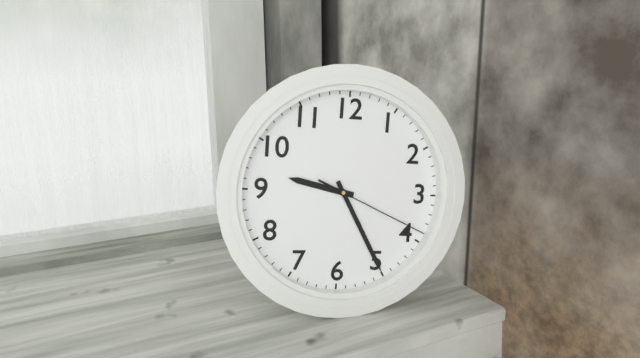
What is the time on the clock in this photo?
9:25:19
